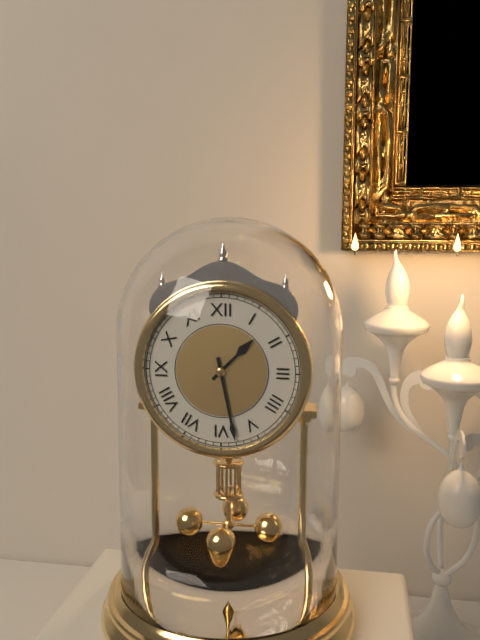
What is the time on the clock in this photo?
1:28
